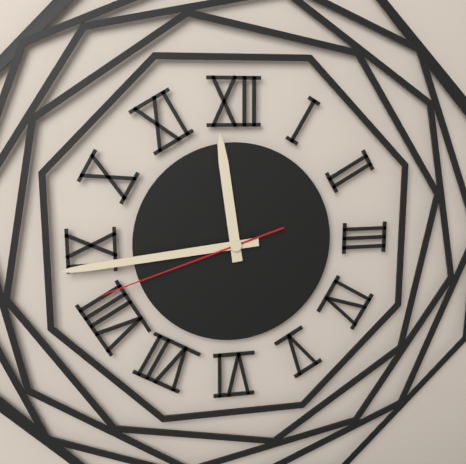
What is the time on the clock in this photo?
11:44:42
